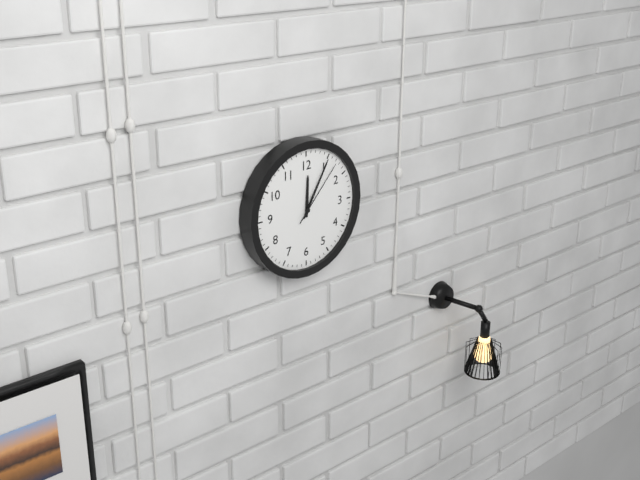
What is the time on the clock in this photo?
12:05:07
